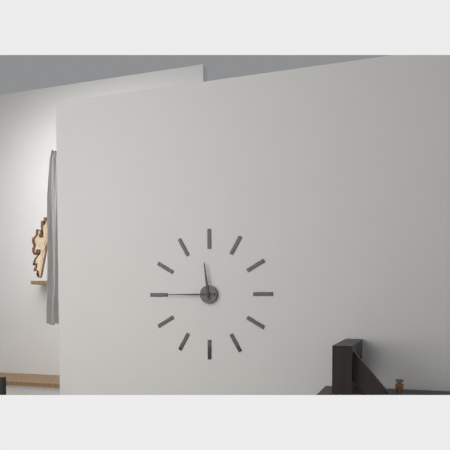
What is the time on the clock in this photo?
11:45
